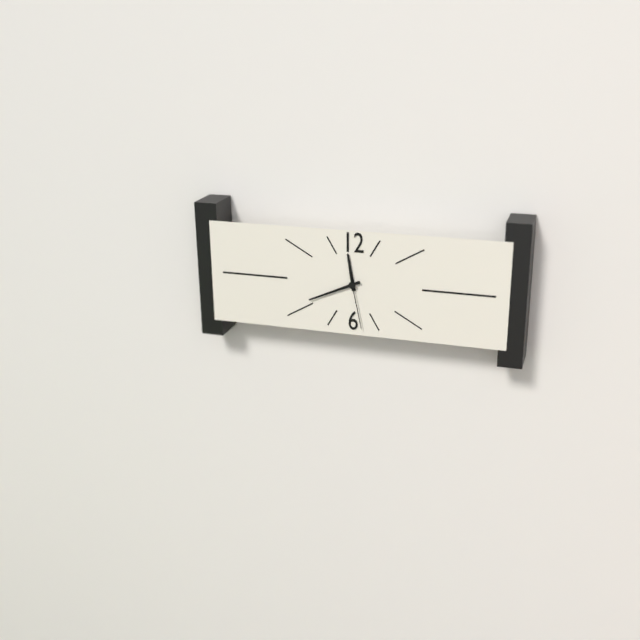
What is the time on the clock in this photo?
11:41:28
